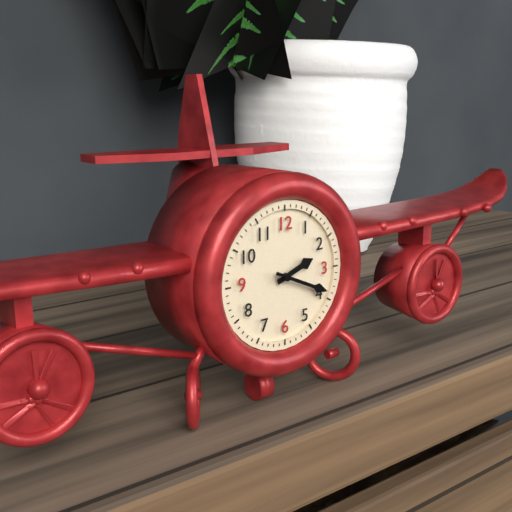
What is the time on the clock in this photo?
2:19
